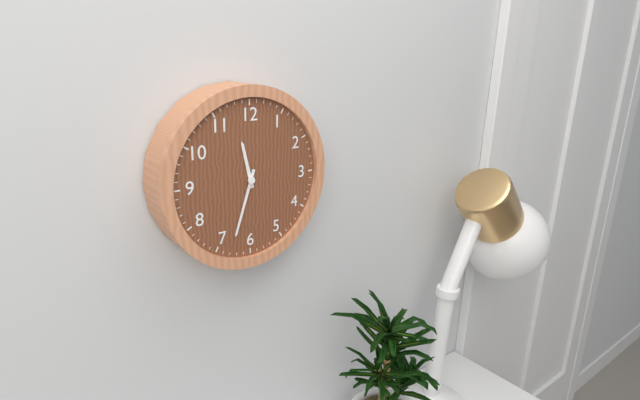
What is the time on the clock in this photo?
11:33
